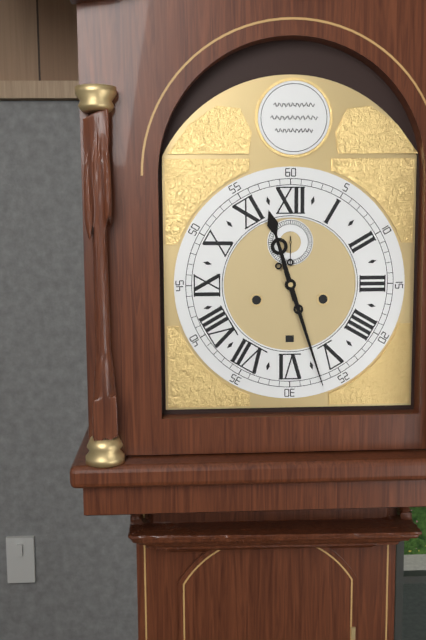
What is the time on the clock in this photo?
11:27
